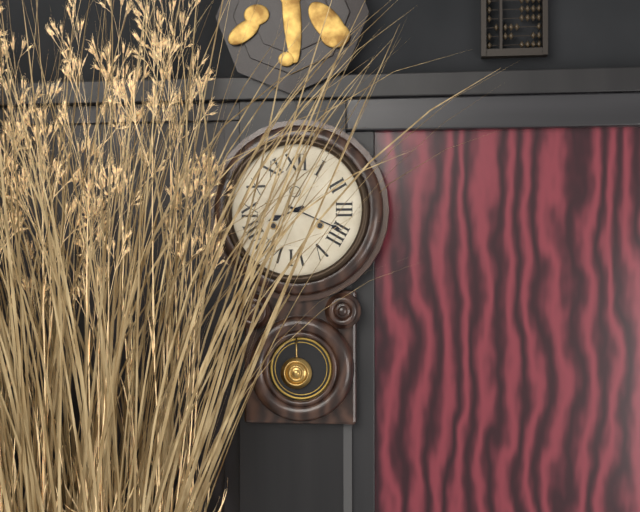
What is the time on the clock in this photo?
8:19
